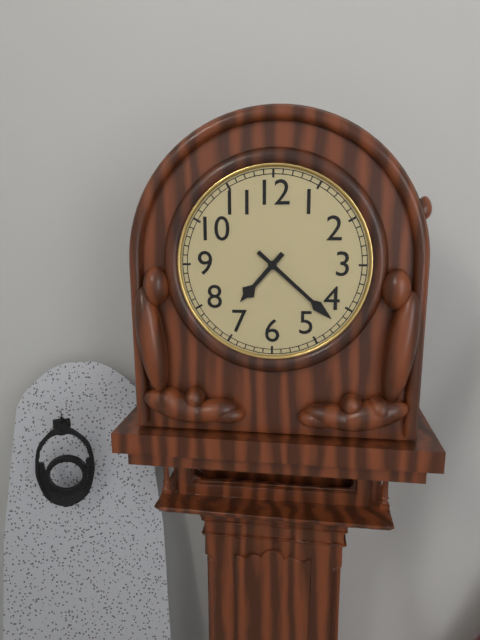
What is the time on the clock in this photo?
7:22
